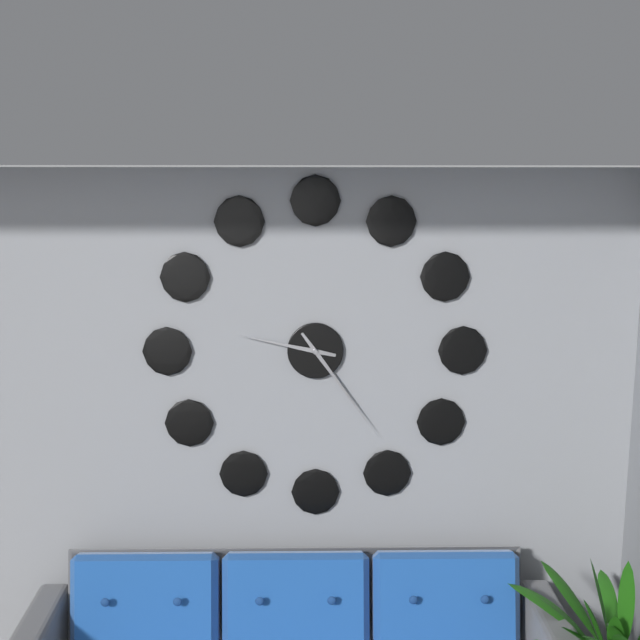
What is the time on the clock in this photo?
9:24
